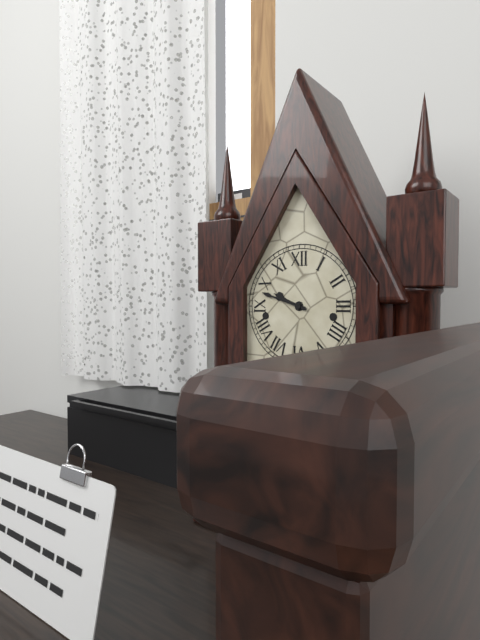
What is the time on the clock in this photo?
9:48
